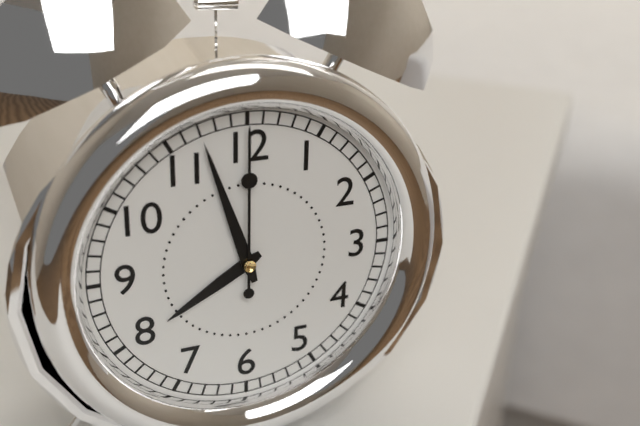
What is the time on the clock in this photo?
7:57:00
